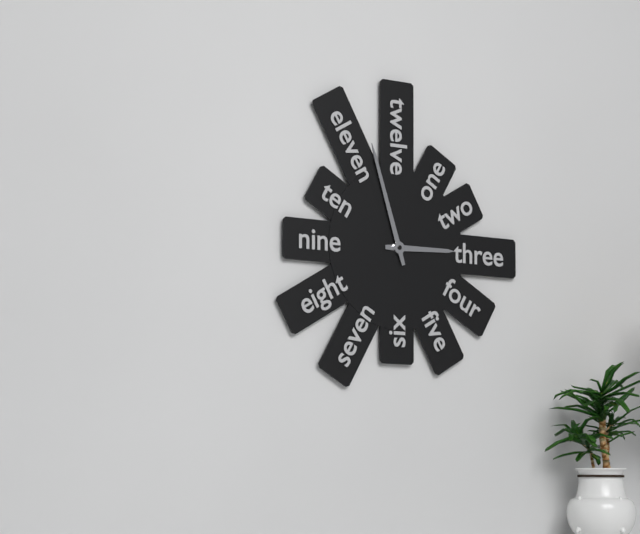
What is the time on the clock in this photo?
2:57
